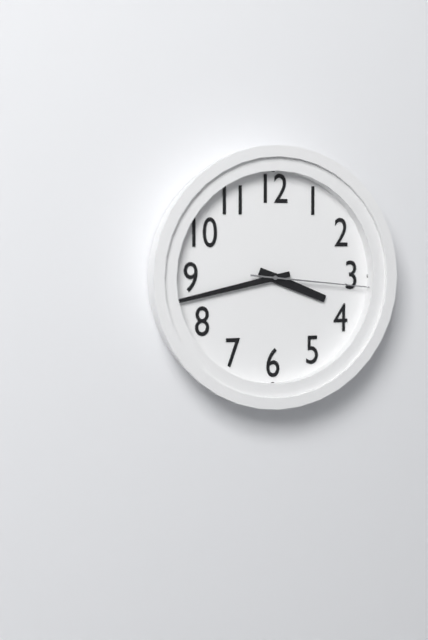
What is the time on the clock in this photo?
3:43:16
